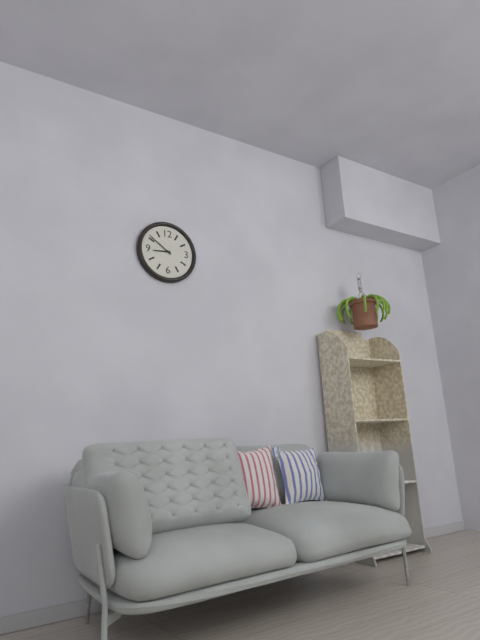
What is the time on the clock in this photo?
8:51
